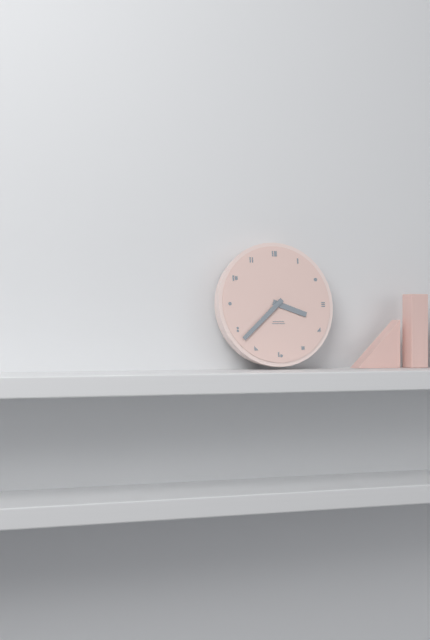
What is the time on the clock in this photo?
3:38
